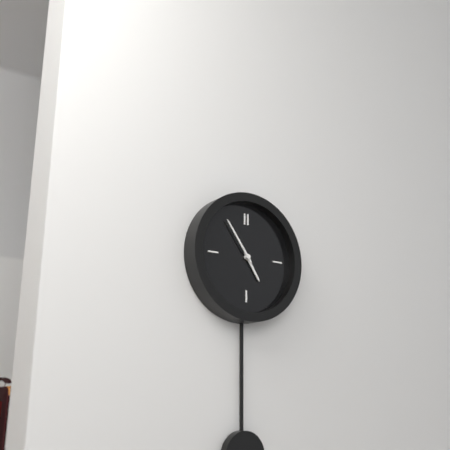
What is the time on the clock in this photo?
4:54
